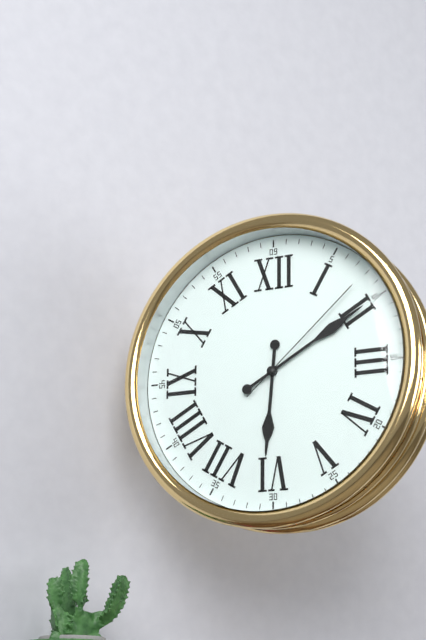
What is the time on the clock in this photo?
6:10:08
